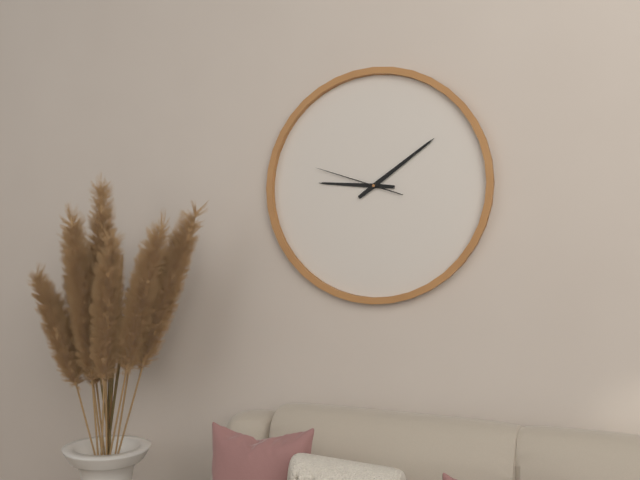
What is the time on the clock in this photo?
9:09:48
